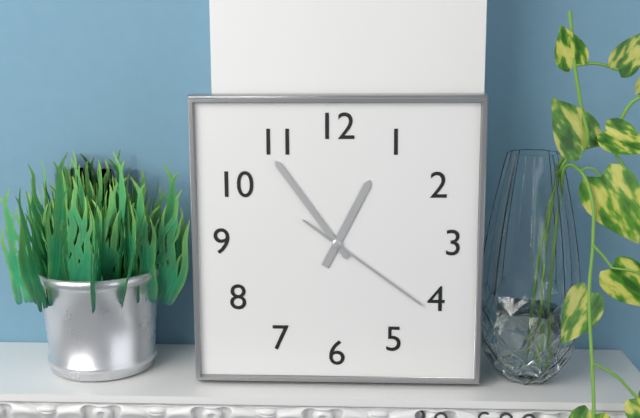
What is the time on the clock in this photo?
12:54:21
